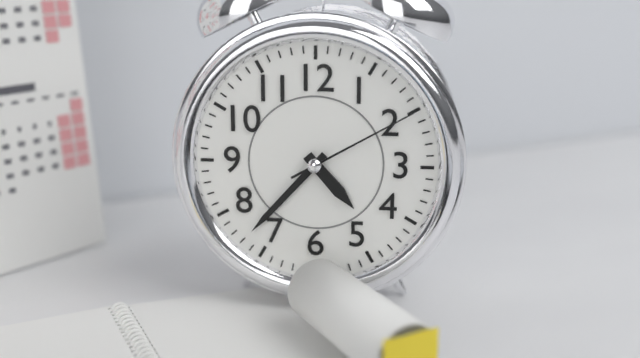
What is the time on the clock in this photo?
4:37:10
